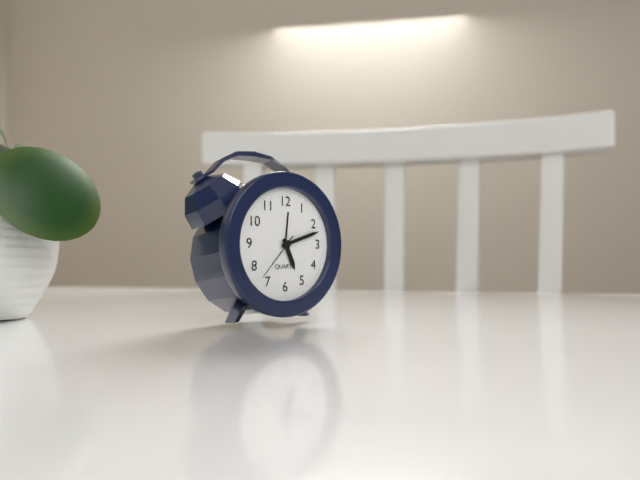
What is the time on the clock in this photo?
5:12:37
